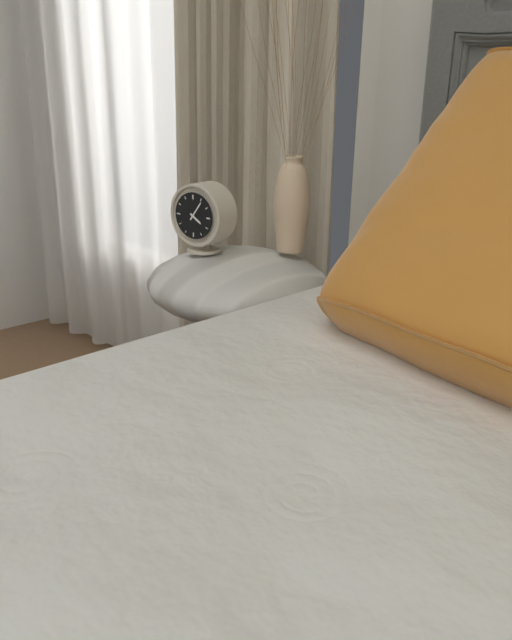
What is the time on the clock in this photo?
4:06
